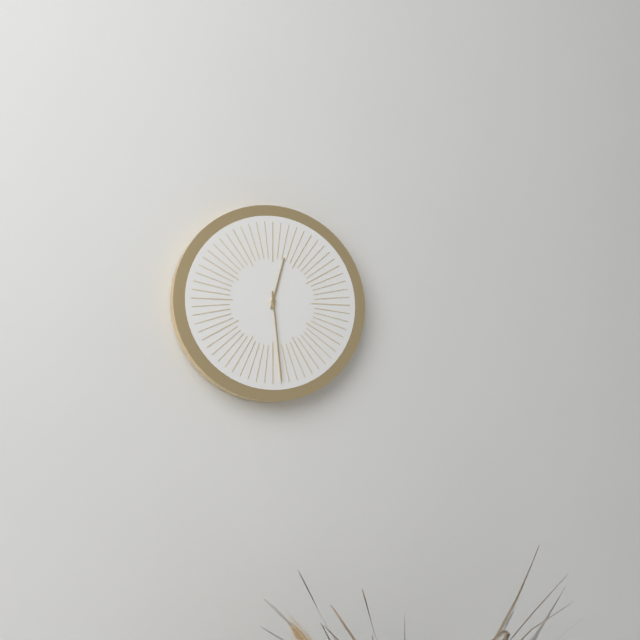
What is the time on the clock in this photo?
12:29
